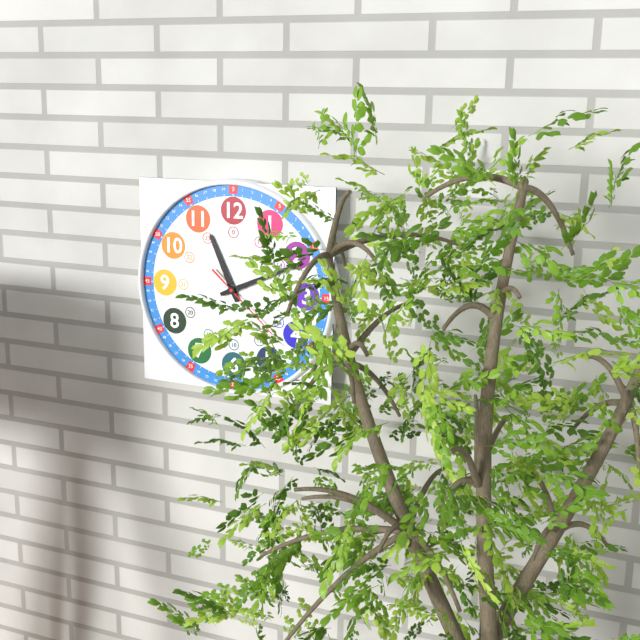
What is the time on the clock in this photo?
11:11:22
